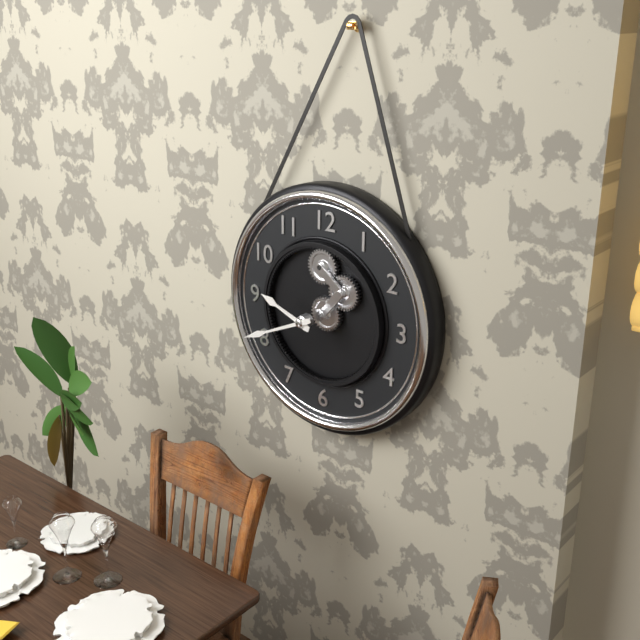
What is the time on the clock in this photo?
9:41
